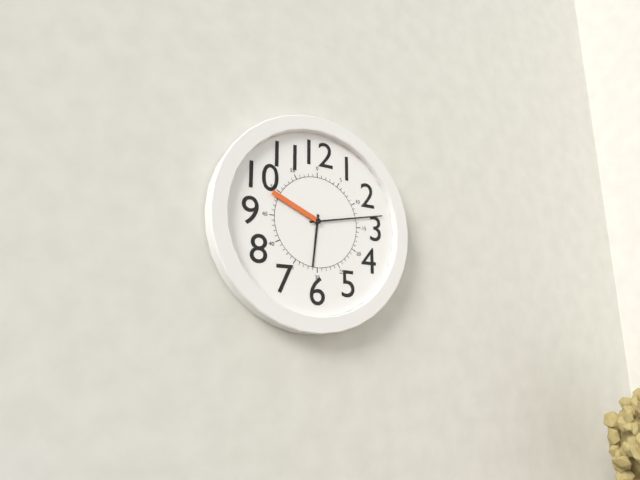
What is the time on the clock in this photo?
6:13:49
